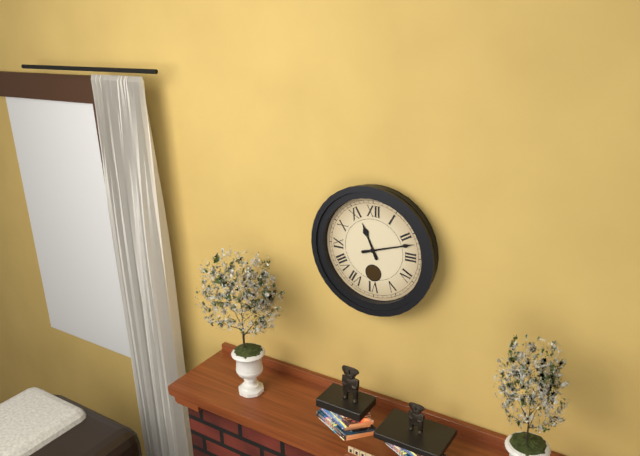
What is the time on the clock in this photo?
11:12
